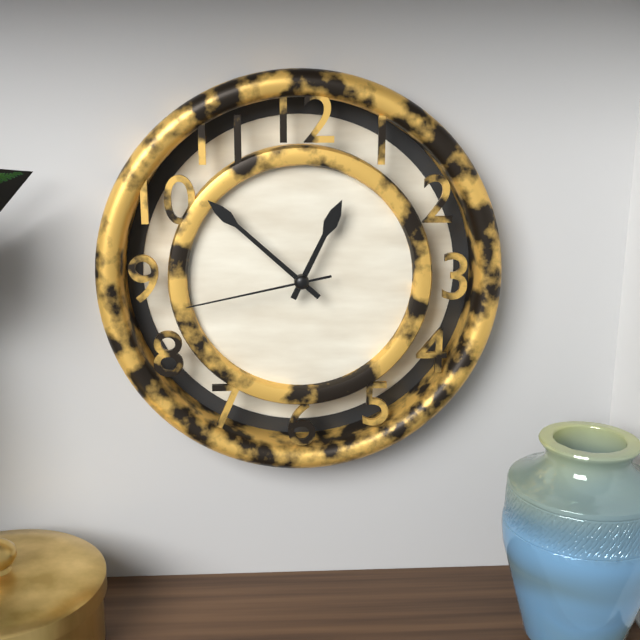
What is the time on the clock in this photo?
12:52:43
